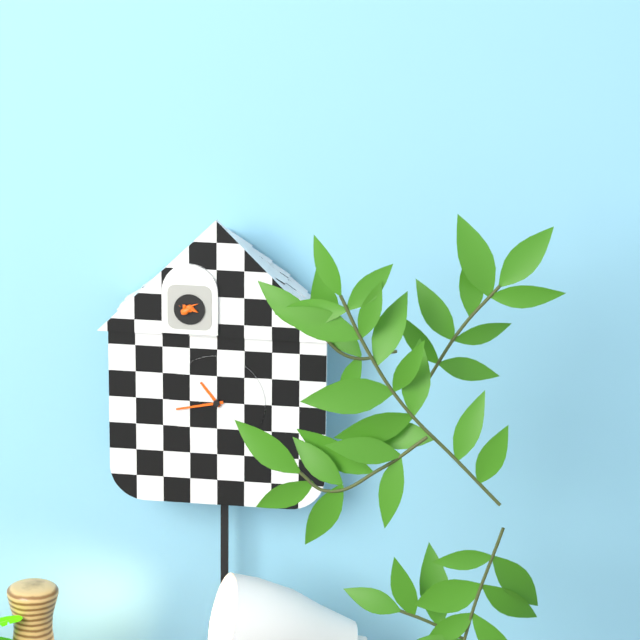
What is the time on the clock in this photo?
10:43
